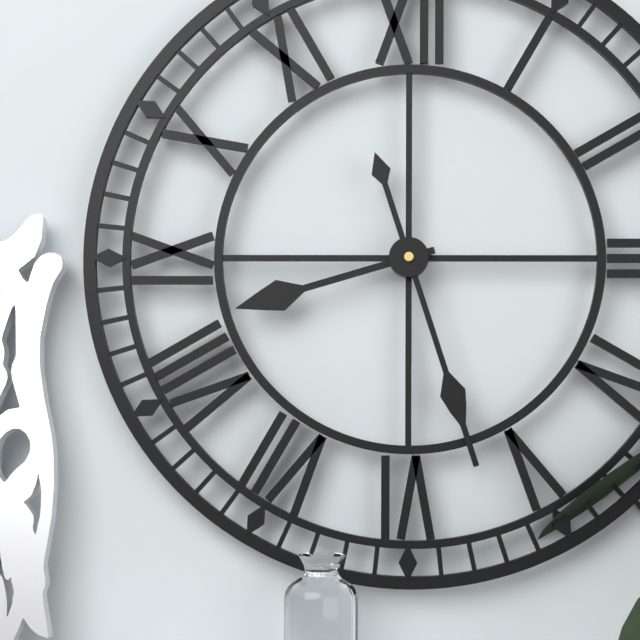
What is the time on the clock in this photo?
8:27
